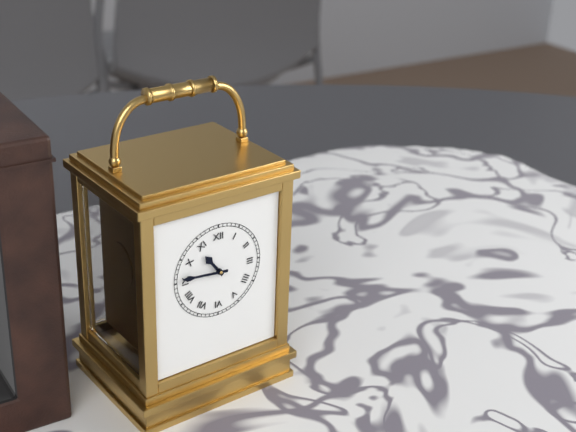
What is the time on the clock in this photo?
10:46
